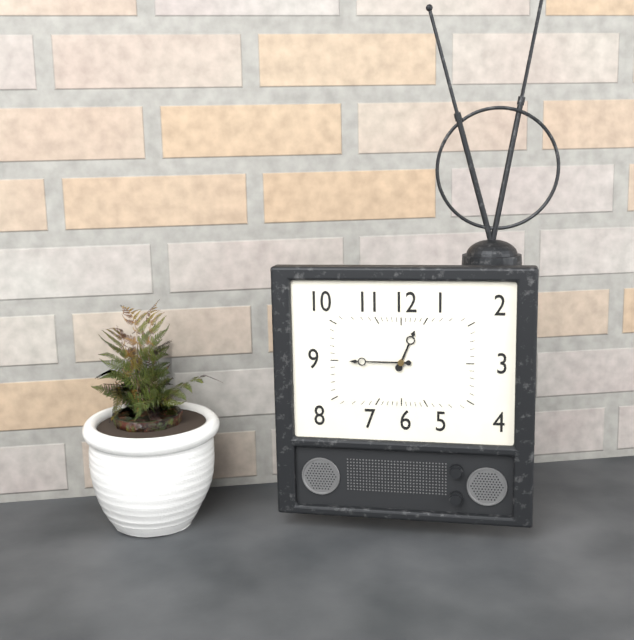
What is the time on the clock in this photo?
12:45
